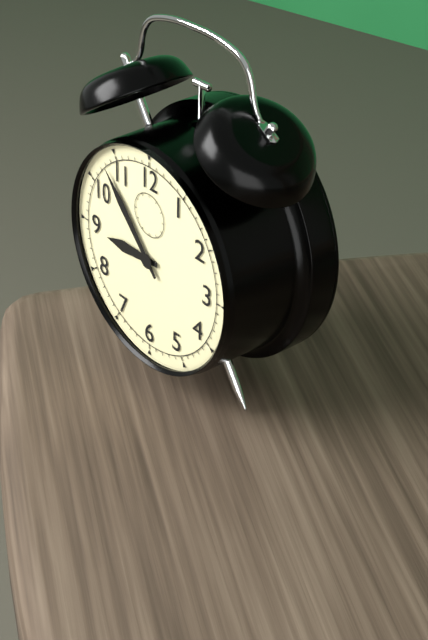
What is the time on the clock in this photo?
8:53
